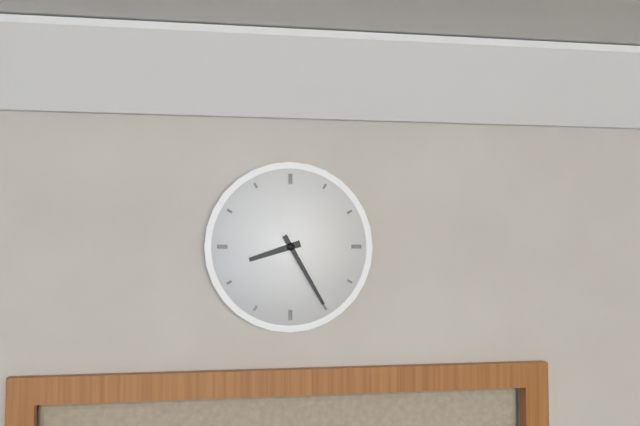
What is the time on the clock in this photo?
8:25
